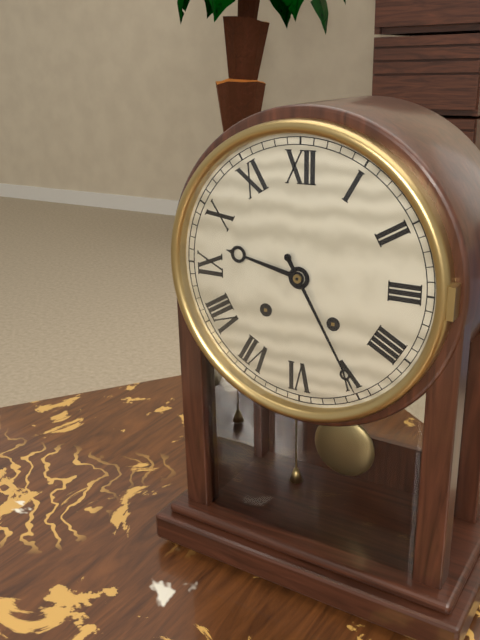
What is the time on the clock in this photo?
9:25
